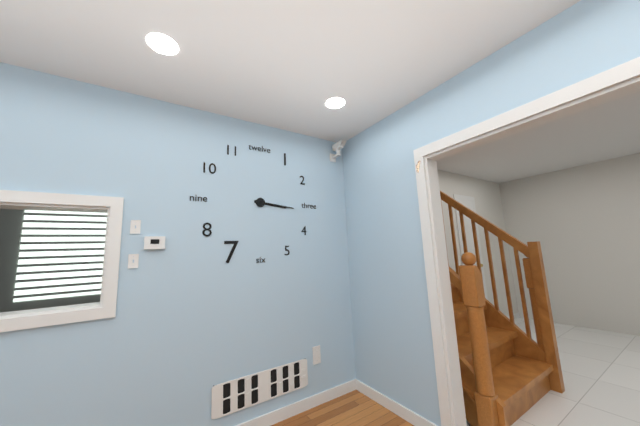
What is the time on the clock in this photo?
3:16
